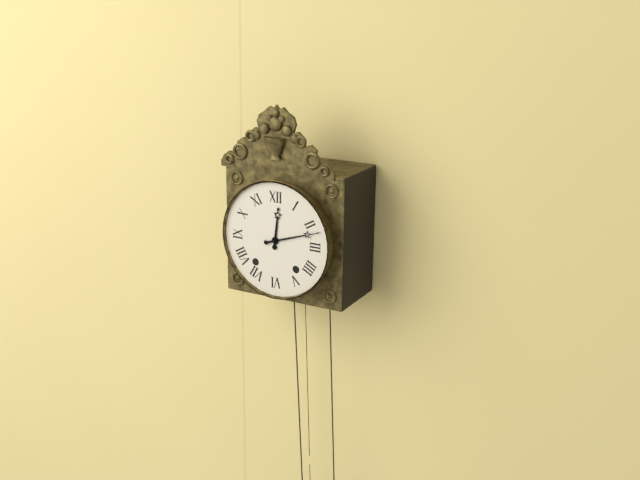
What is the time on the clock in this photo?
12:12
